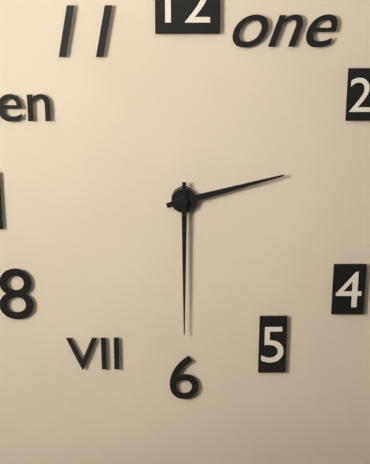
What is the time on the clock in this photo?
2:30
